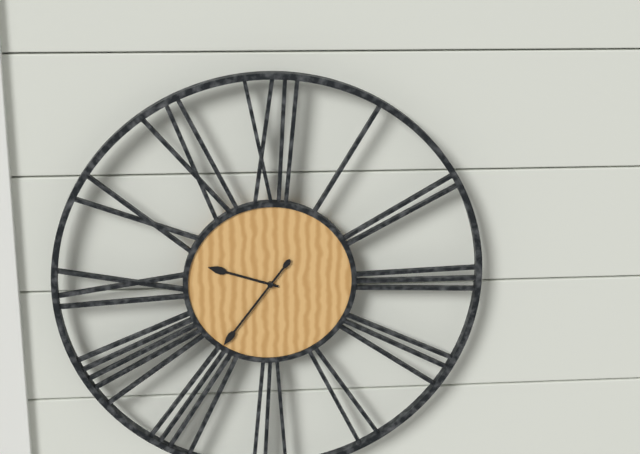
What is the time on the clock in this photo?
9:36
